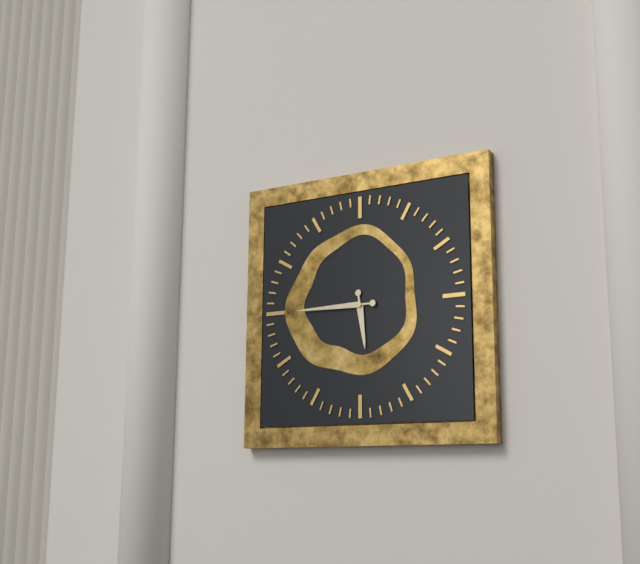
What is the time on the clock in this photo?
5:45
